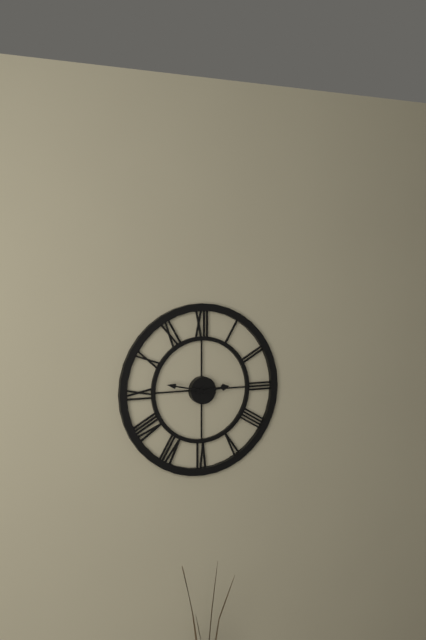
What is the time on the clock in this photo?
2:47
